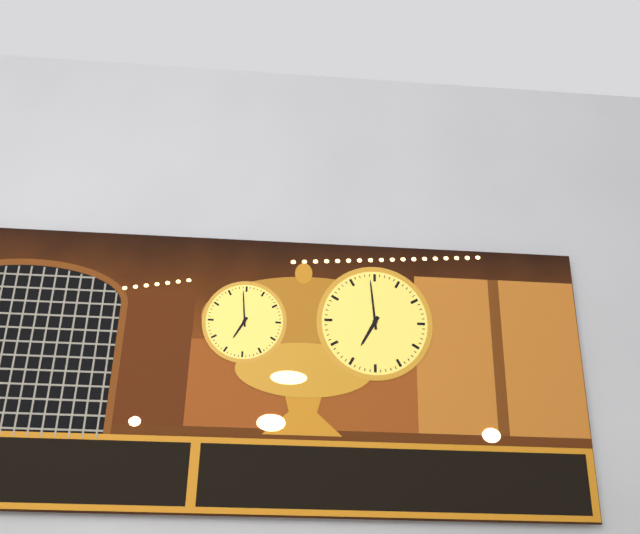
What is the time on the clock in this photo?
6:59
